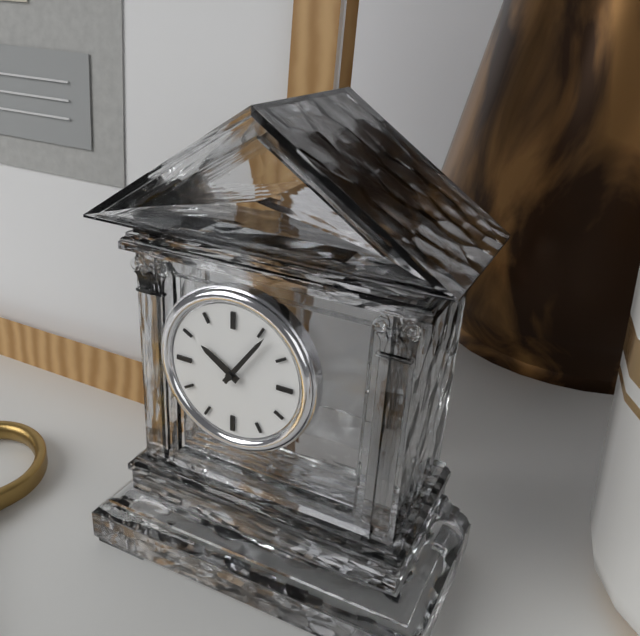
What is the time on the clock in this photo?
10:06
